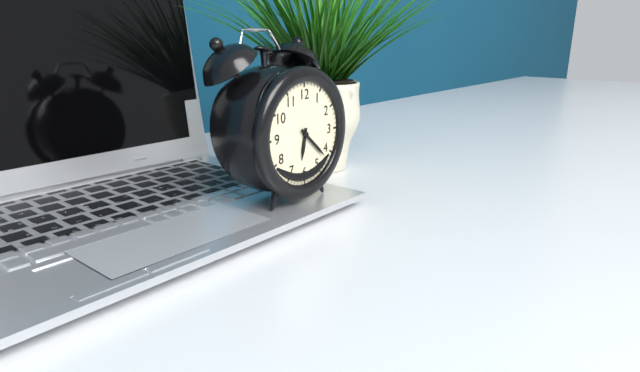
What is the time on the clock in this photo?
6:22
